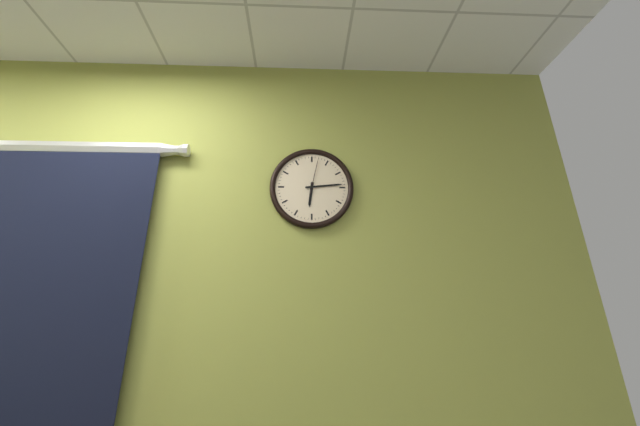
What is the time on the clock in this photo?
6:14
